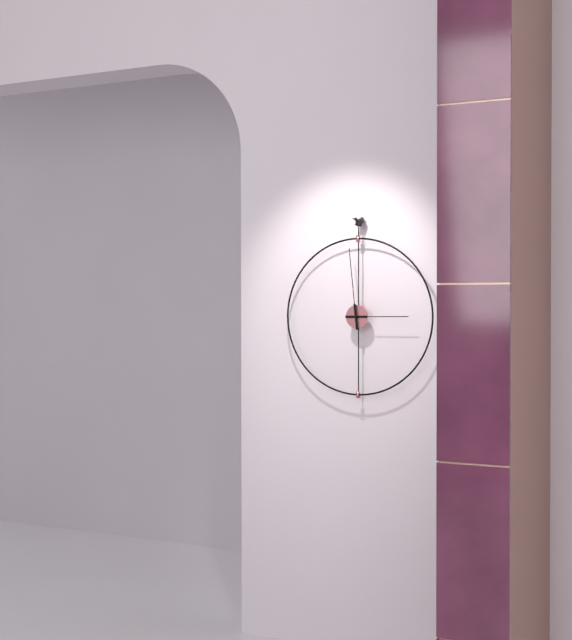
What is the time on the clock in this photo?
2:59
